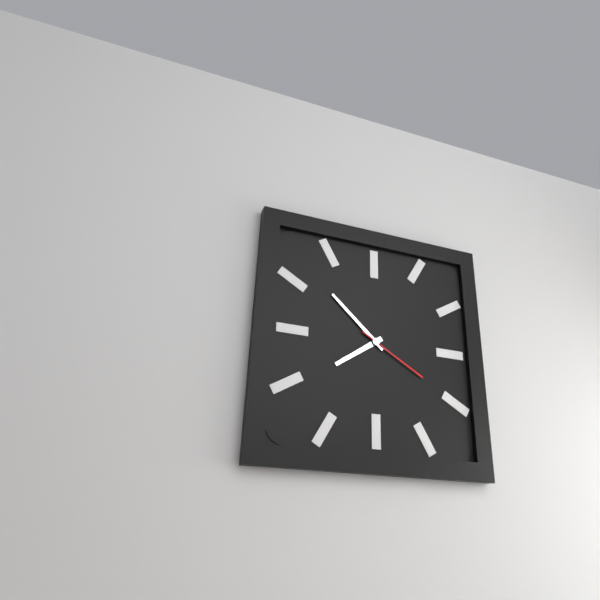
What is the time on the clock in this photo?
7:52:20
